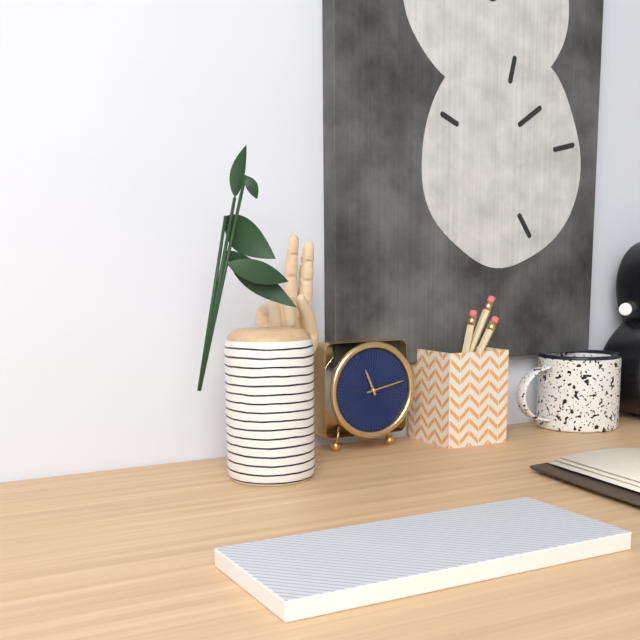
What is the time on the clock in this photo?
11:13
